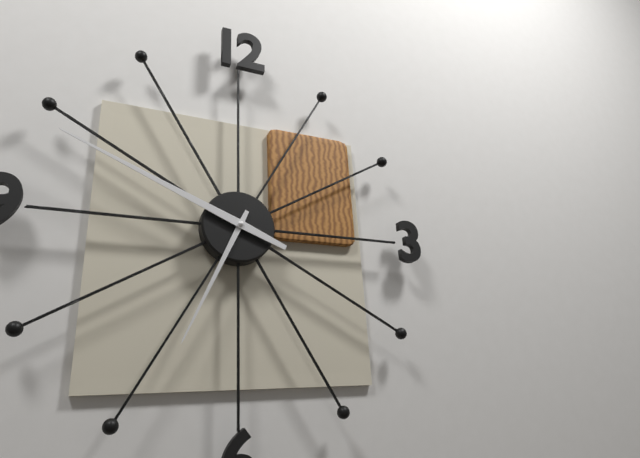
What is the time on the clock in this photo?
6:49
